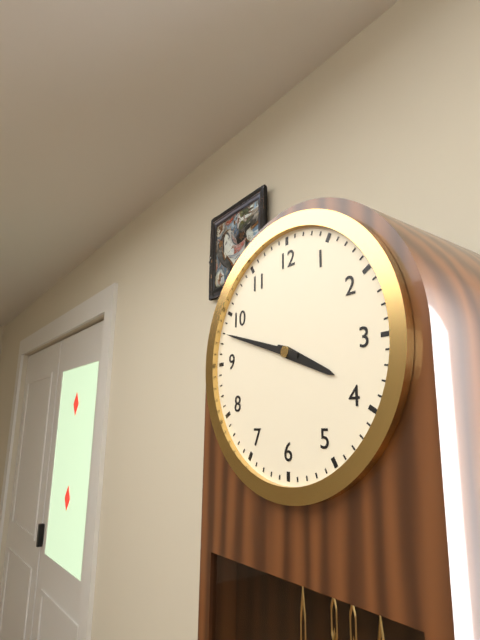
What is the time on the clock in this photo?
3:48
